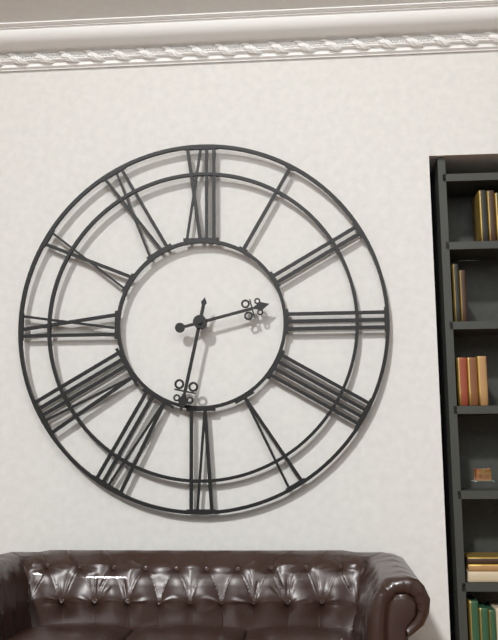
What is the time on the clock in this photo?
2:32
